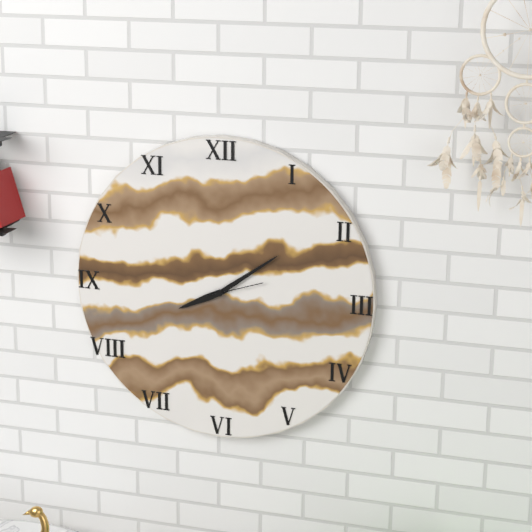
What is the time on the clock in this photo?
8:09
